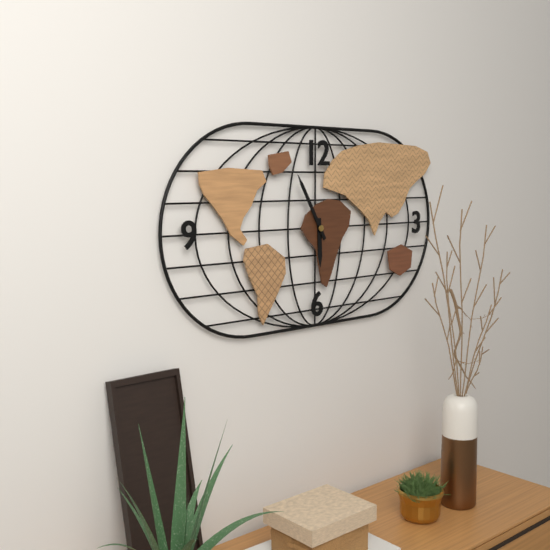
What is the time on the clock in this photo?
5:55
